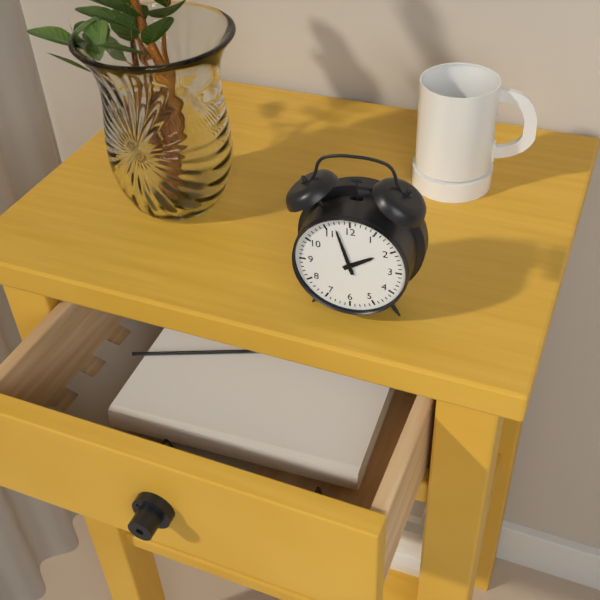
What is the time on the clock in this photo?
1:57
